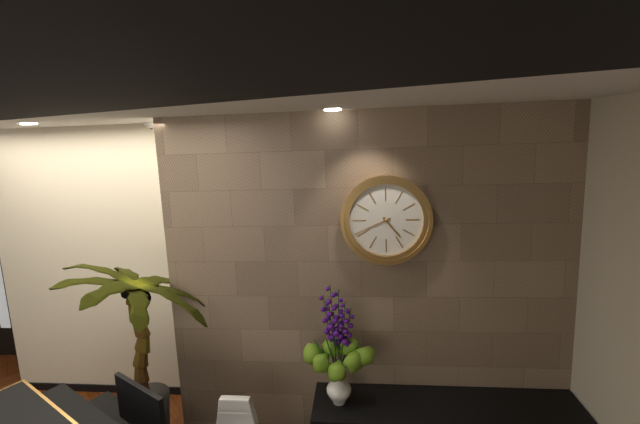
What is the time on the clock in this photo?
4:41
